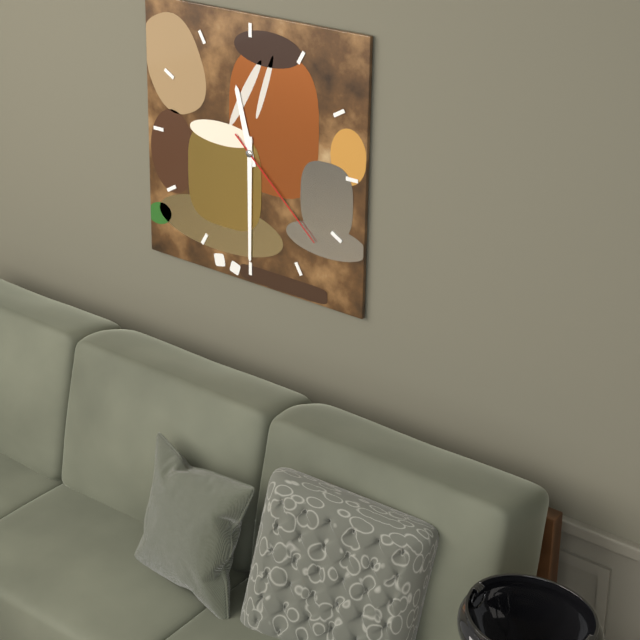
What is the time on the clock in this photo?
11:30:22
